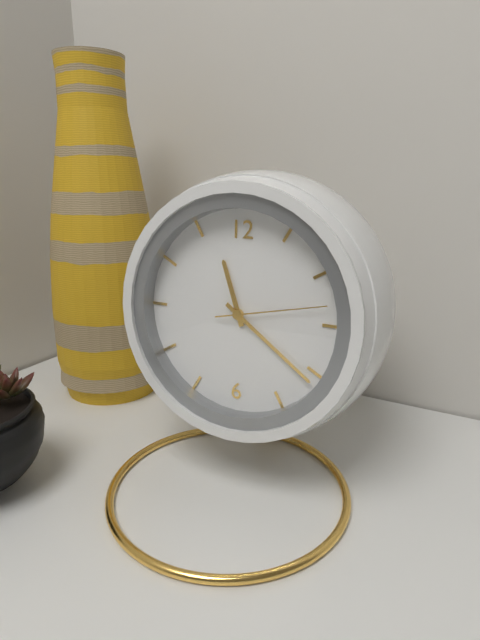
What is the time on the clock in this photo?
11:21:13
